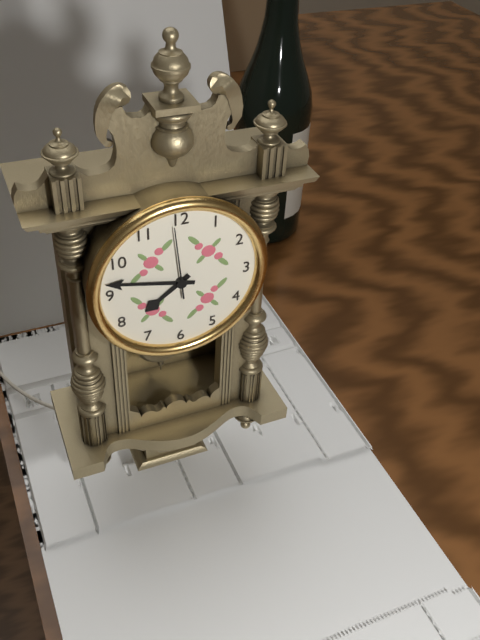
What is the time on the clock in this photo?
7:47:59
